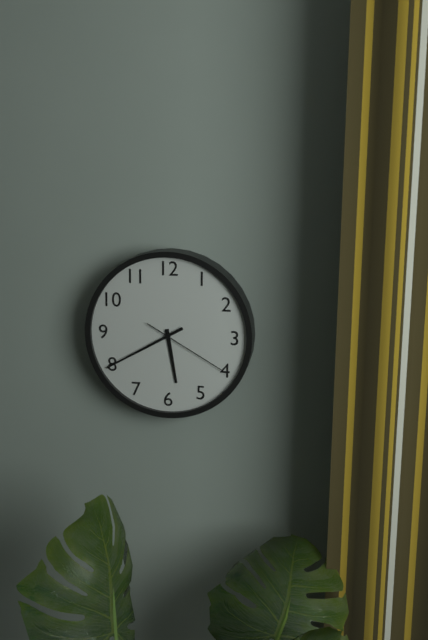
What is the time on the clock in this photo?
5:40:20
